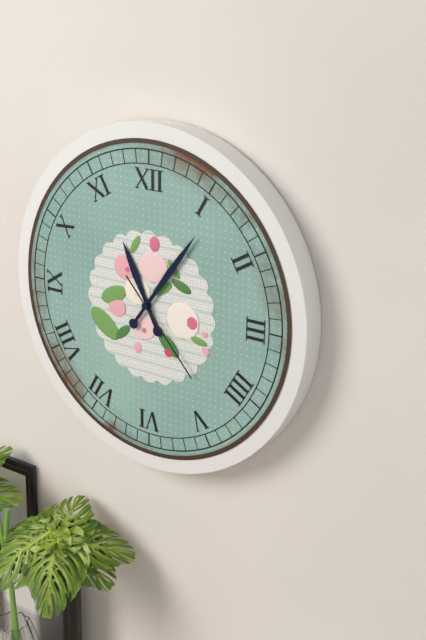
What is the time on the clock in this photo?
11:06:23
